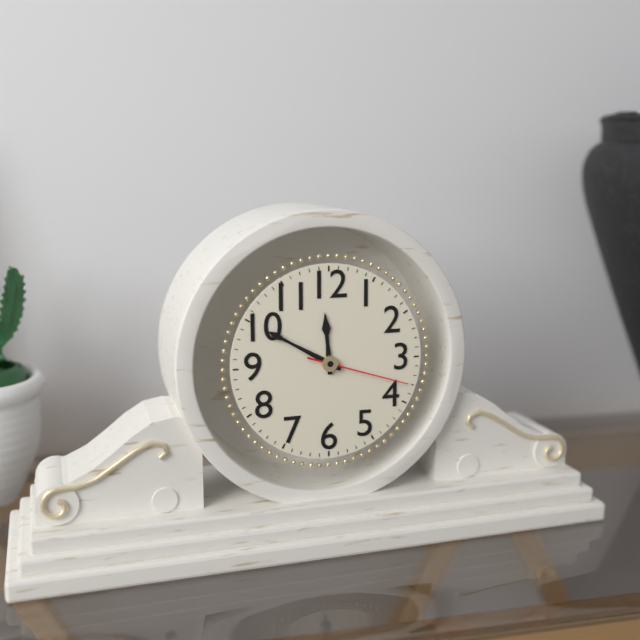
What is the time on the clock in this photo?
11:50:18
